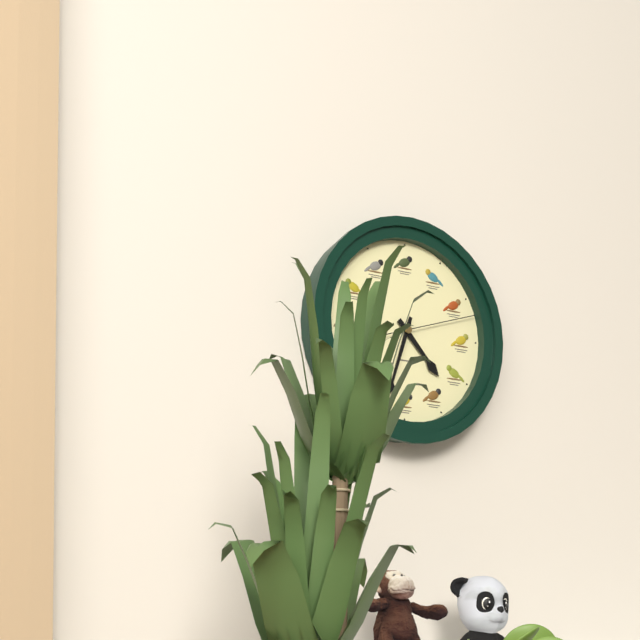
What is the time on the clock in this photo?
4:33:12
